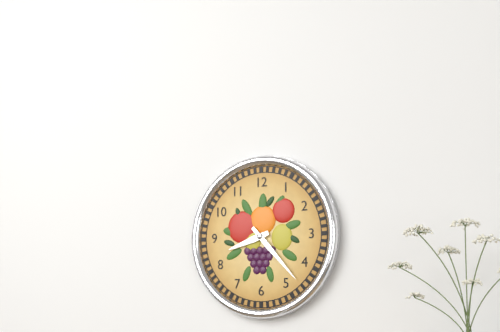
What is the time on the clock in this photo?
8:23
